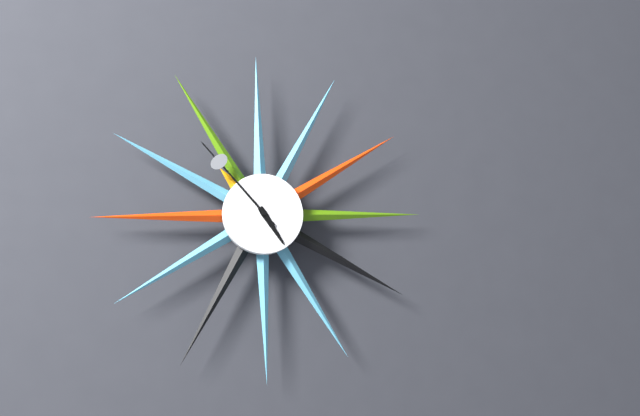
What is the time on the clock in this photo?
4:53
